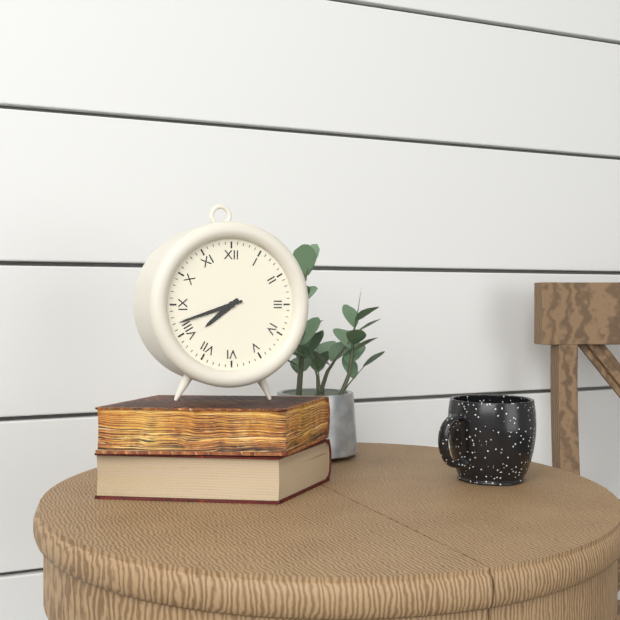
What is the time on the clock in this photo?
7:42
